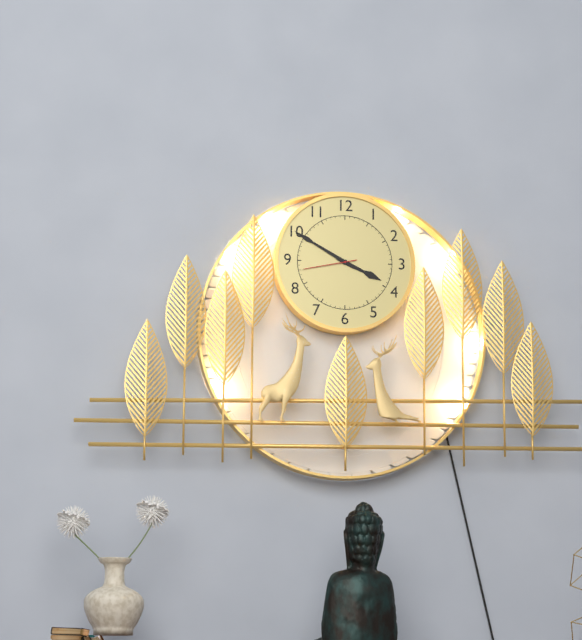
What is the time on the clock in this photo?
3:50
